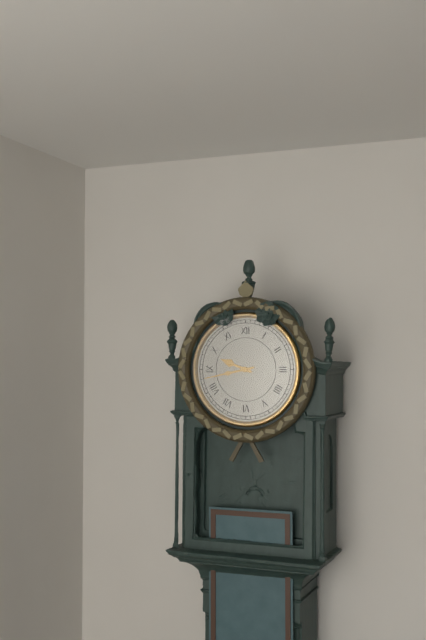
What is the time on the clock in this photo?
9:43
